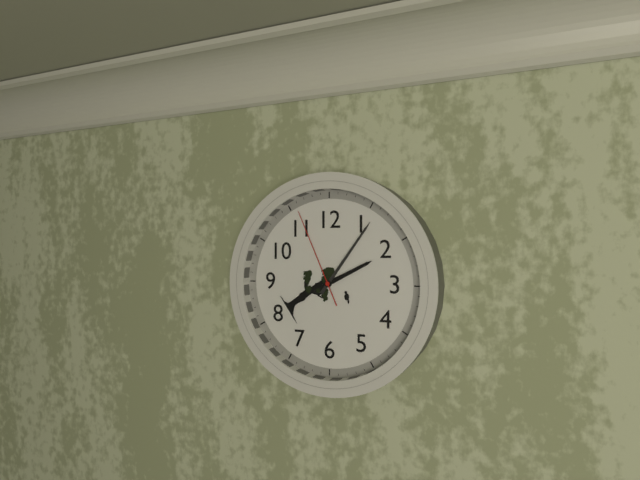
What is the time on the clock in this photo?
2:06:56
